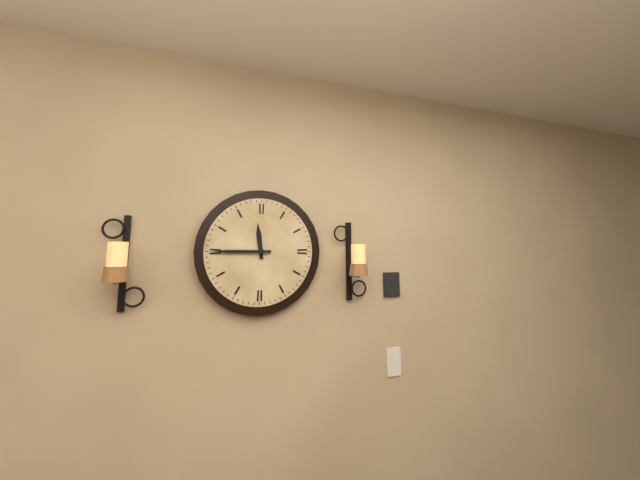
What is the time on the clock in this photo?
11:45
